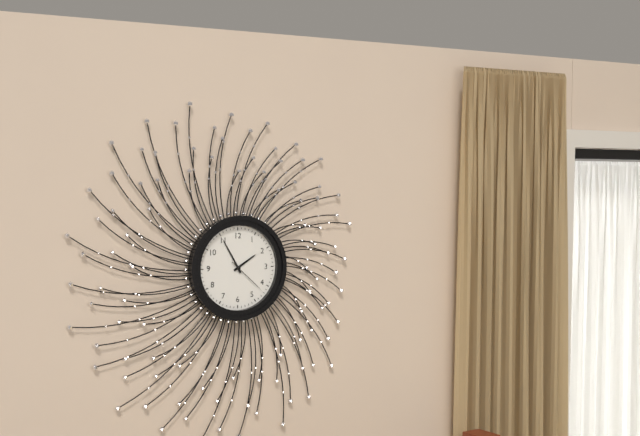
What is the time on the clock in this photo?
1:55
